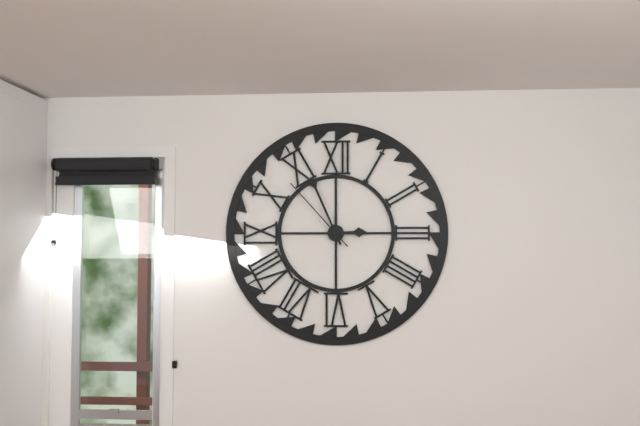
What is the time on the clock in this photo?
2:56:53
